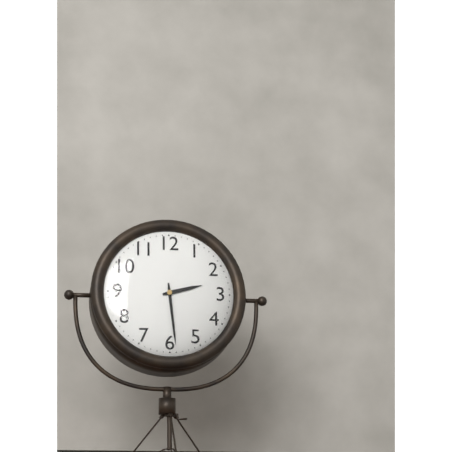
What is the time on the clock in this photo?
2:29
